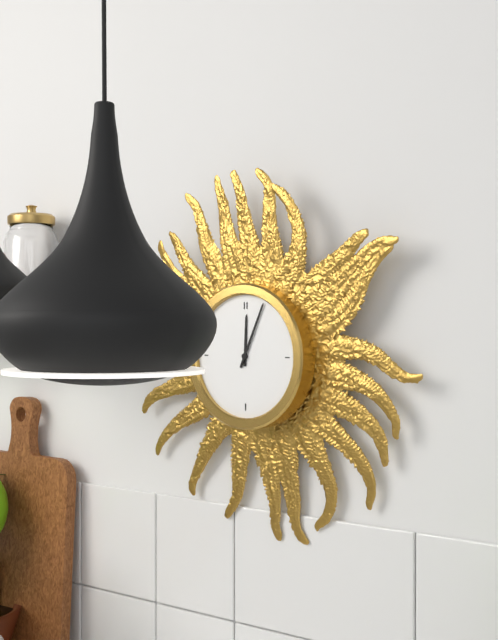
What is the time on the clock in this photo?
12:04
